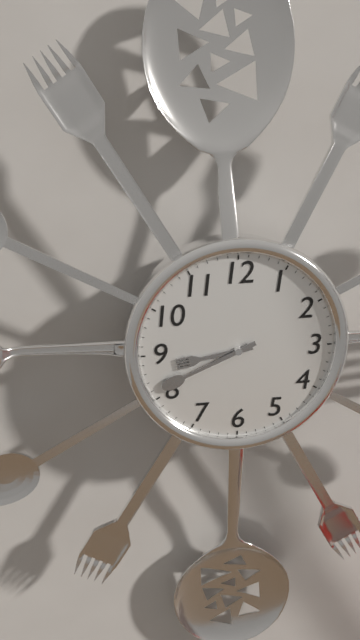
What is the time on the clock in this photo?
8:41
